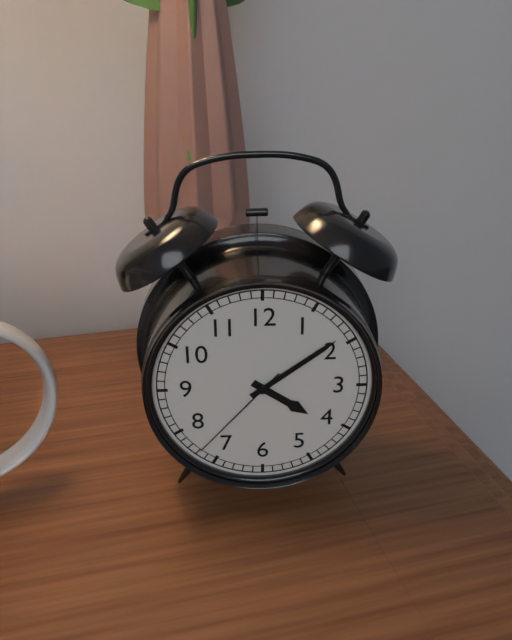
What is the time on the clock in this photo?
4:09:37
